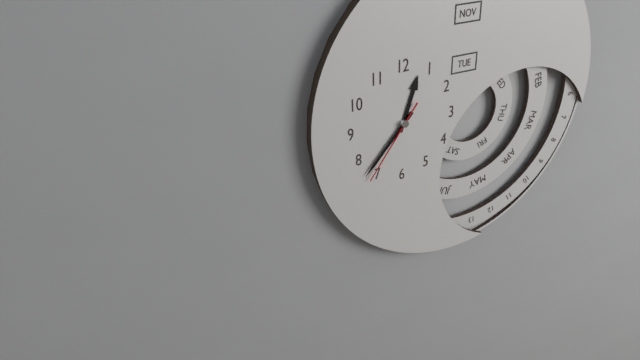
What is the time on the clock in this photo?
12:37:36
